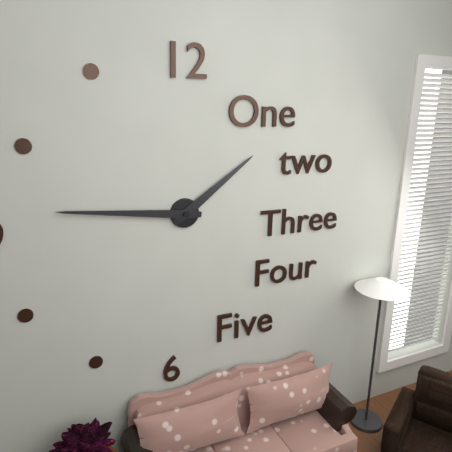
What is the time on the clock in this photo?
1:46
